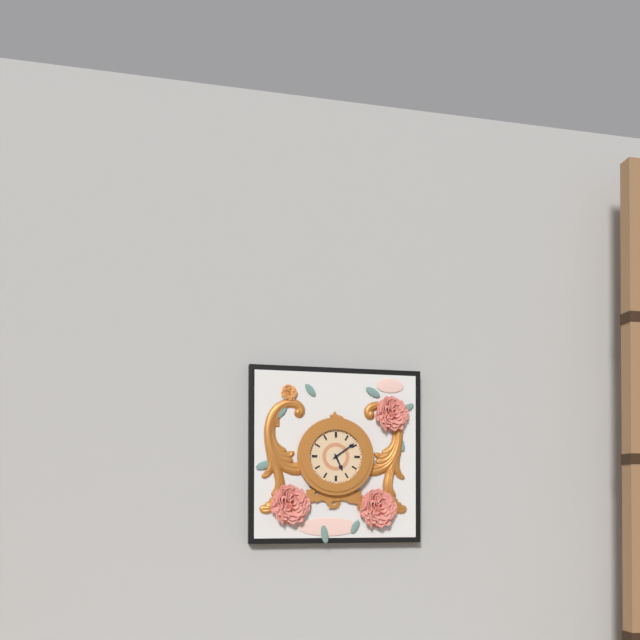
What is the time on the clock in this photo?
5:09
